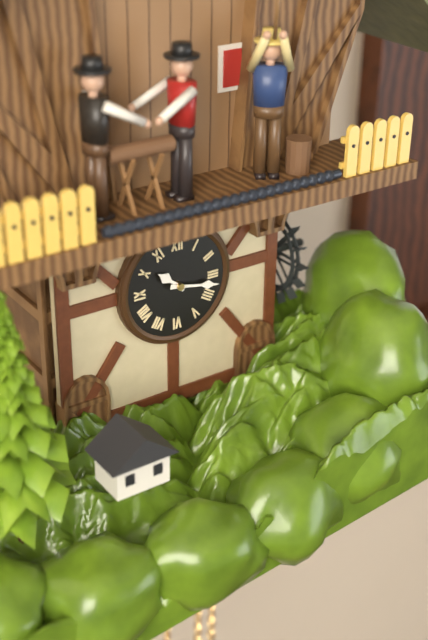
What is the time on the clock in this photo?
10:17
